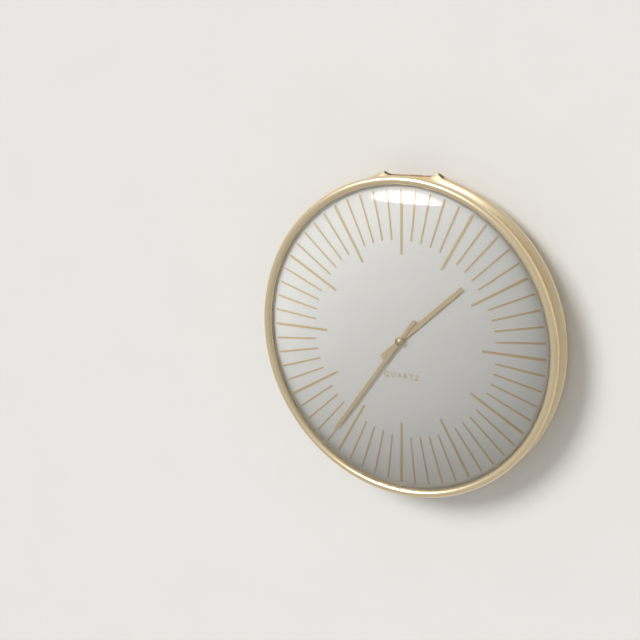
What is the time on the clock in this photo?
1:36
